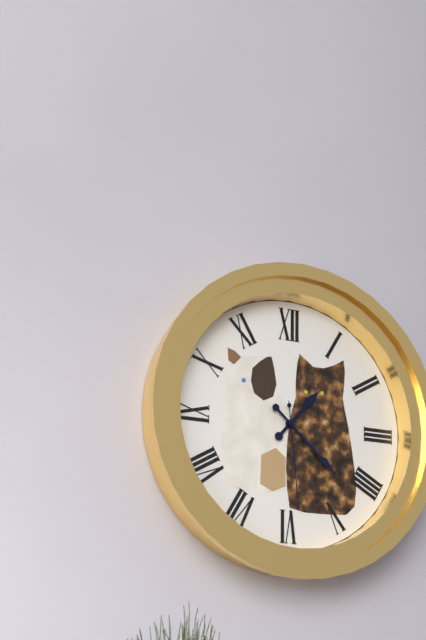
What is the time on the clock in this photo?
1:22:29
